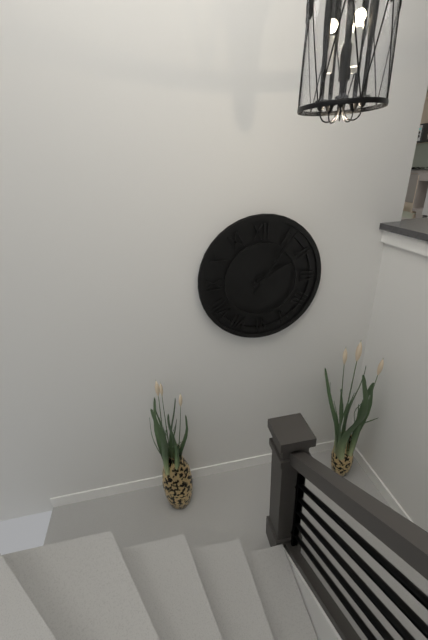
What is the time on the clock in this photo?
2:06:06
